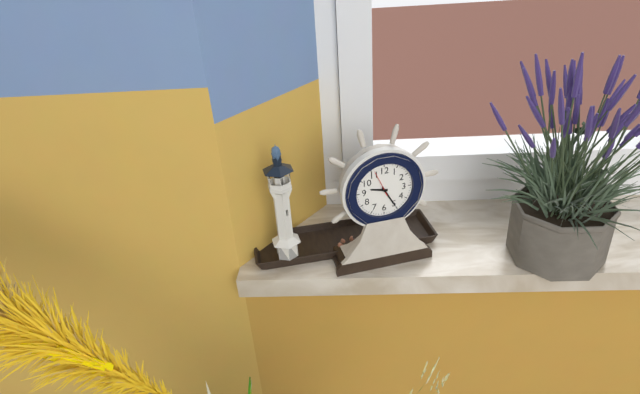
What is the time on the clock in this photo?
9:25
